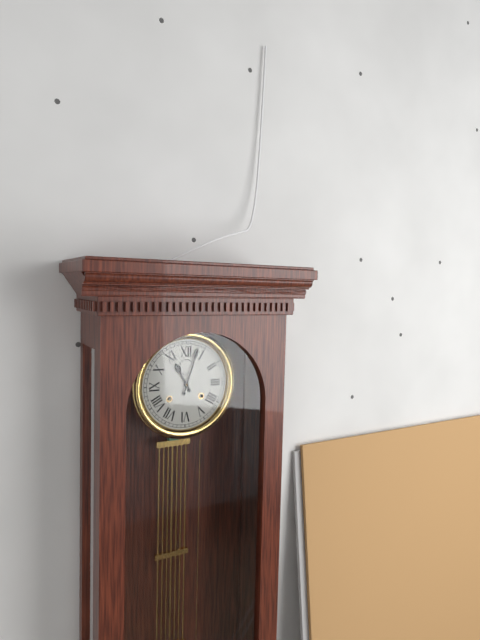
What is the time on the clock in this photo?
11:03
